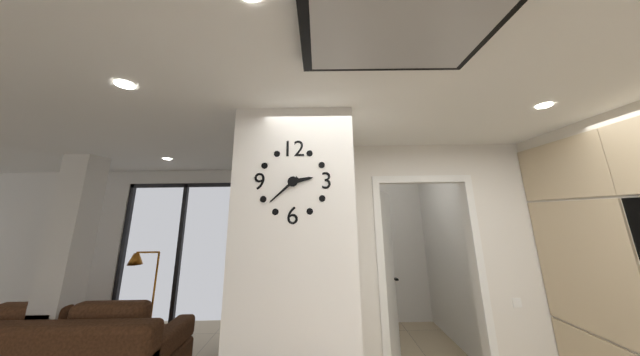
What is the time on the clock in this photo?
2:38
